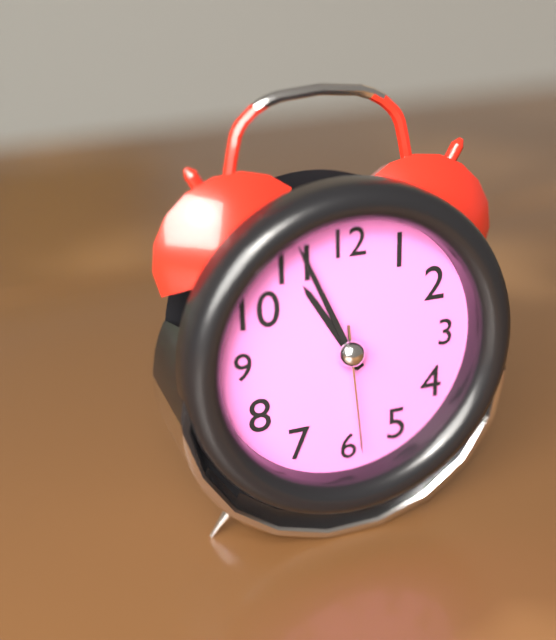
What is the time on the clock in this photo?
10:56:29
